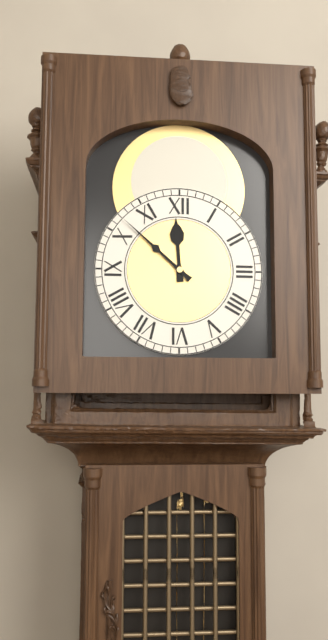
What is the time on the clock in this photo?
11:52
